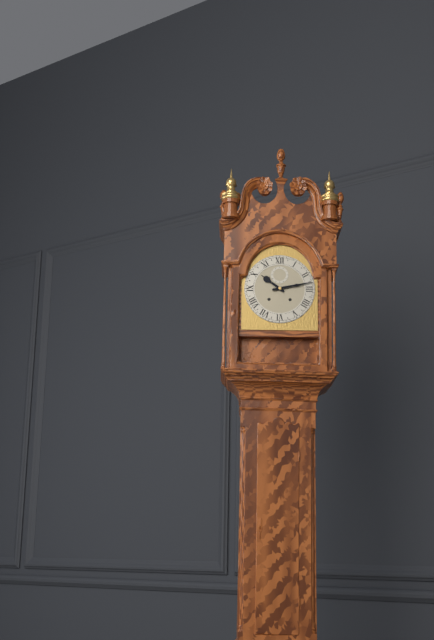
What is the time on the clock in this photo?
10:13
